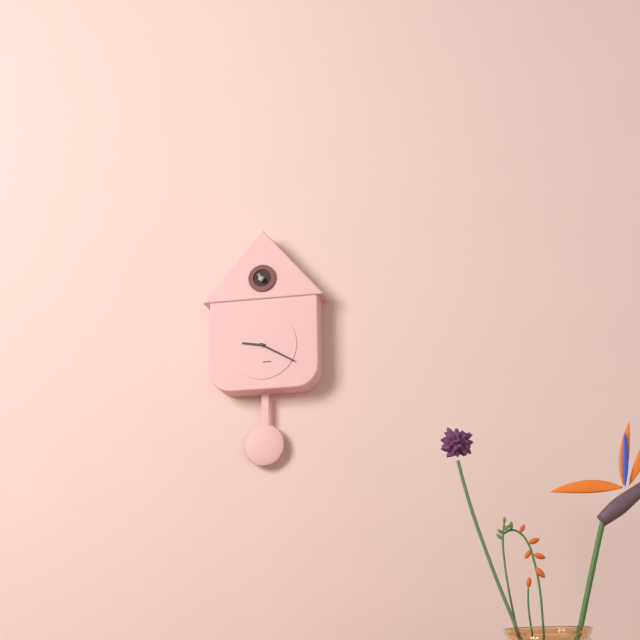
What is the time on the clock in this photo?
9:20
